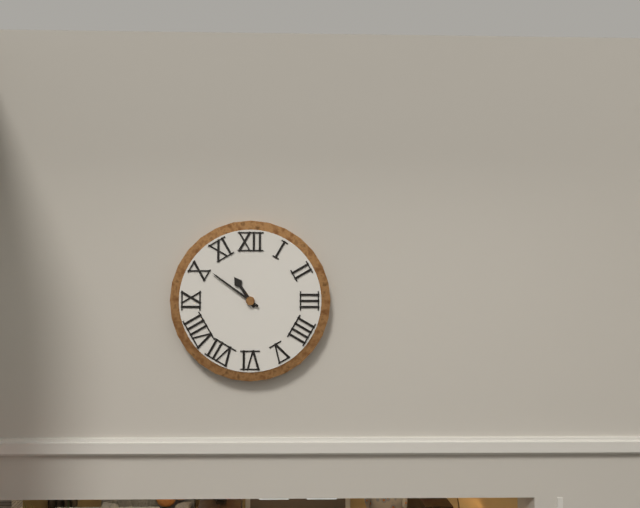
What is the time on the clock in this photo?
10:51
